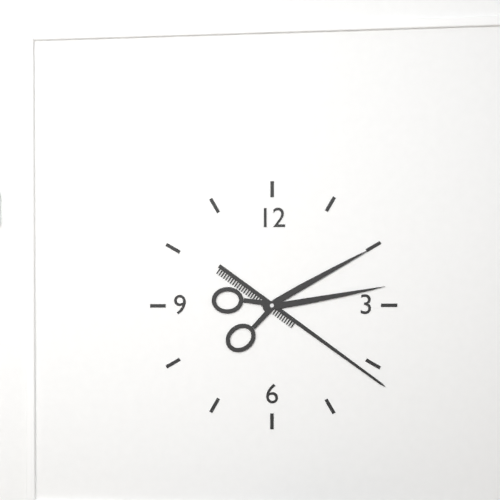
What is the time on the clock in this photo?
2:21
